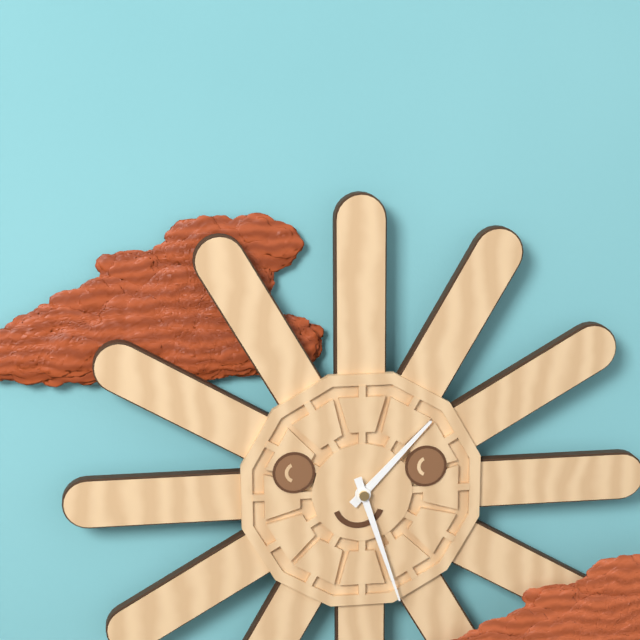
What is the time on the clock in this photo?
1:27
